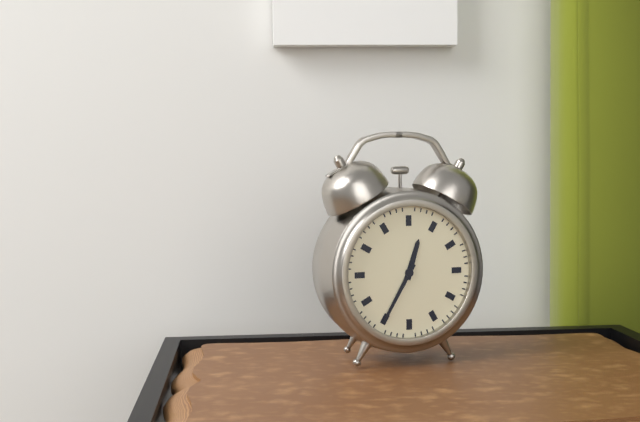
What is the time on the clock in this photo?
12:35
